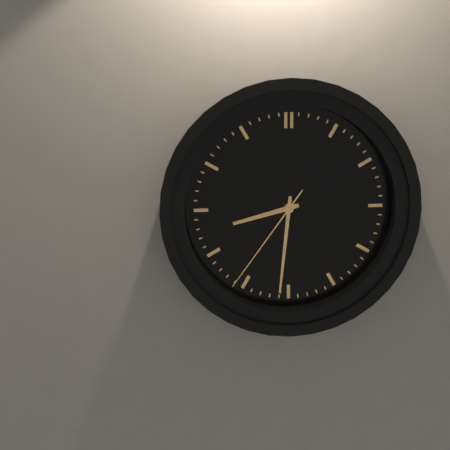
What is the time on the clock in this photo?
8:31:36
